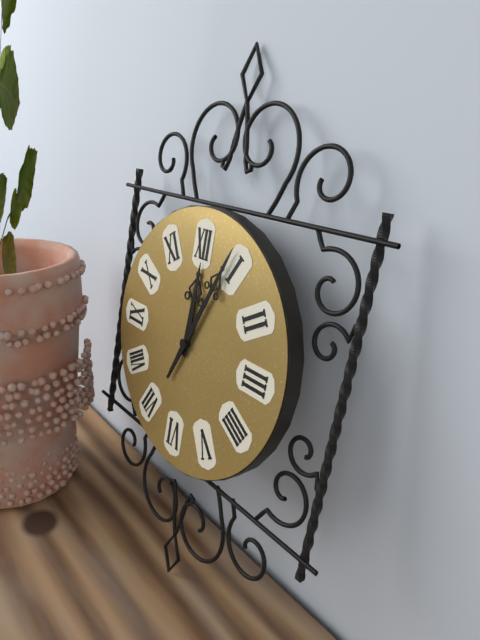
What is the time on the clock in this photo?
12:04
